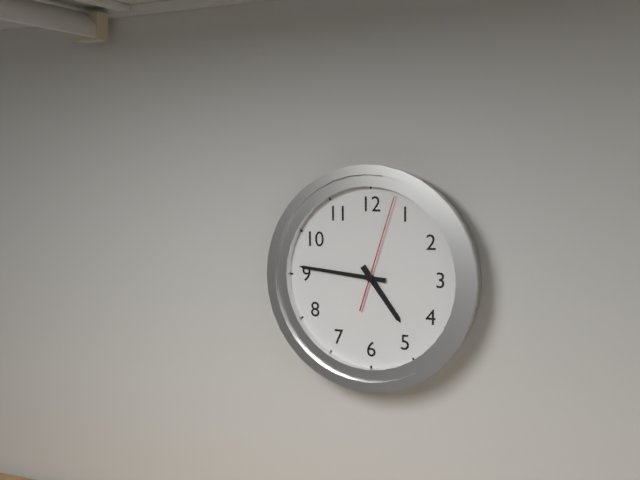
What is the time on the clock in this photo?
4:46:03
